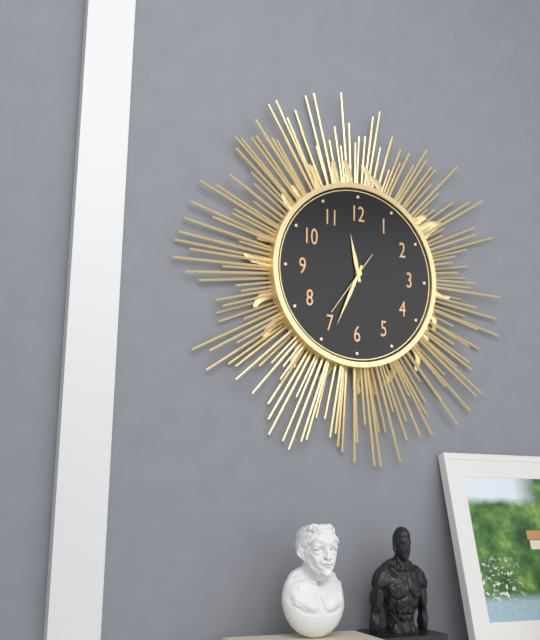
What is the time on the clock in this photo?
11:34:36
